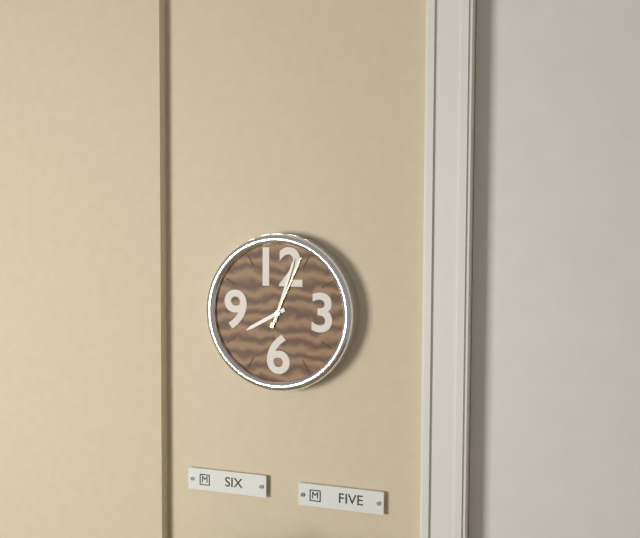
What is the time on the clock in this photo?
8:03:04
